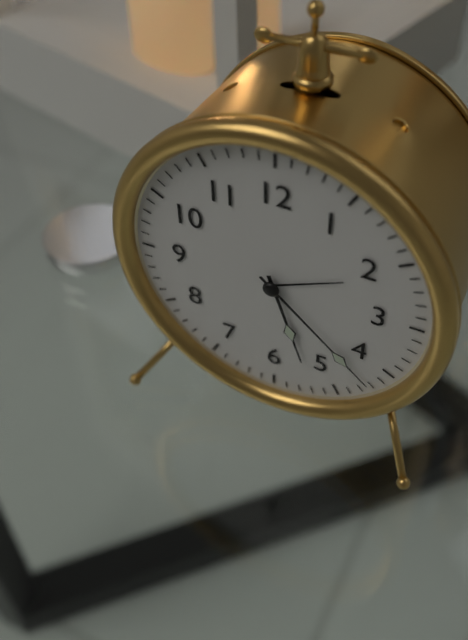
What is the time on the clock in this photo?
5:22
